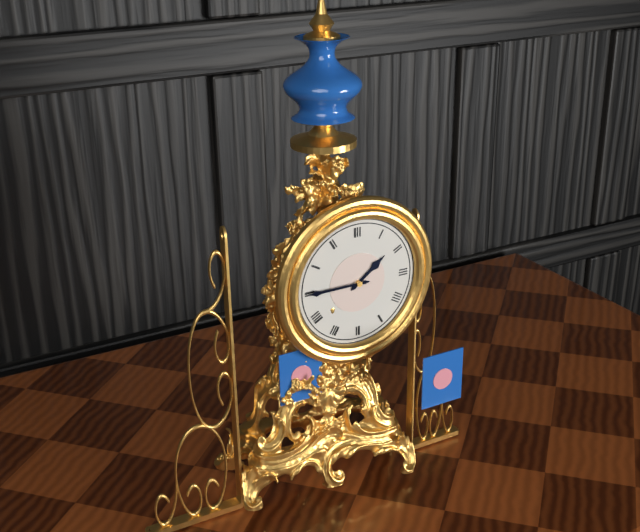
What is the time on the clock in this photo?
1:45
